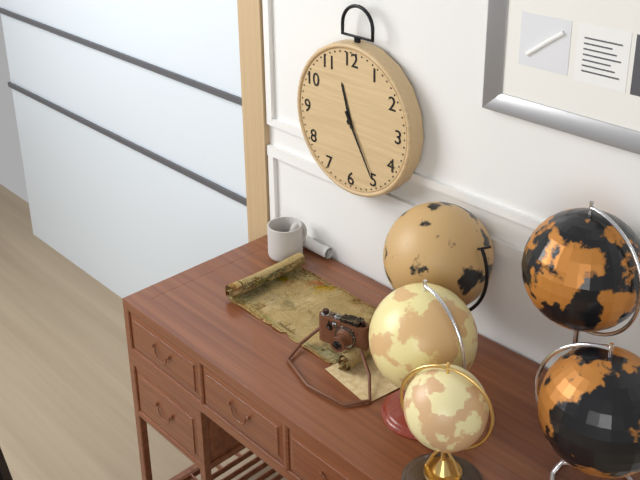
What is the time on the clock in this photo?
11:25
